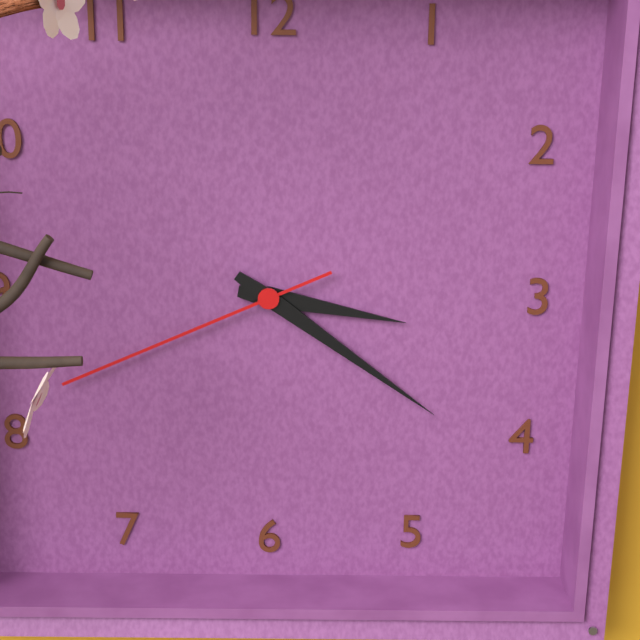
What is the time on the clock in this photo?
3:21:41
